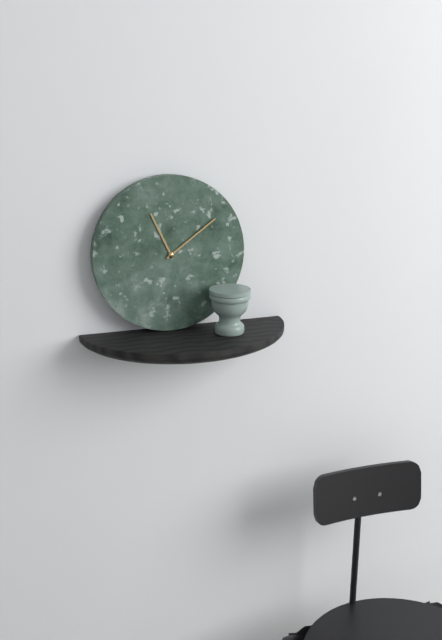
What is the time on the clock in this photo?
11:09
